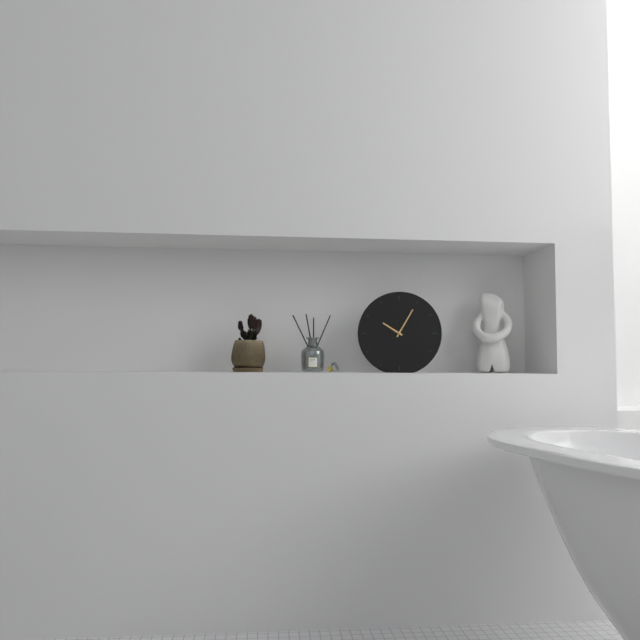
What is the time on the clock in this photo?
10:05
